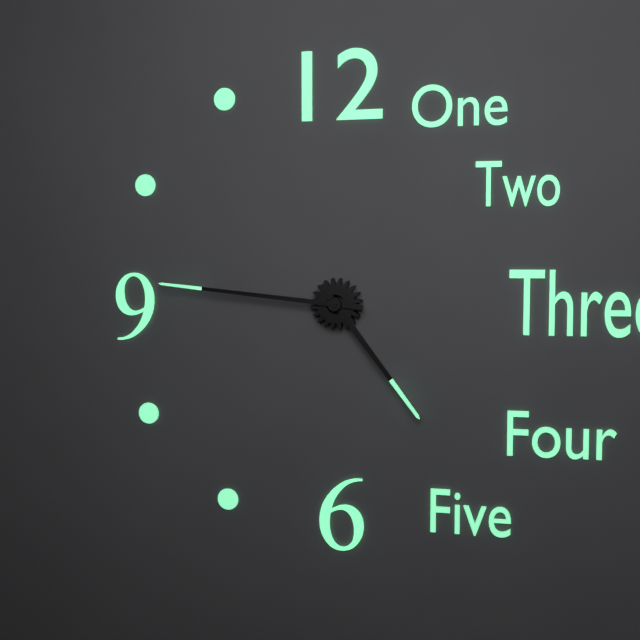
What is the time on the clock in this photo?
4:46
